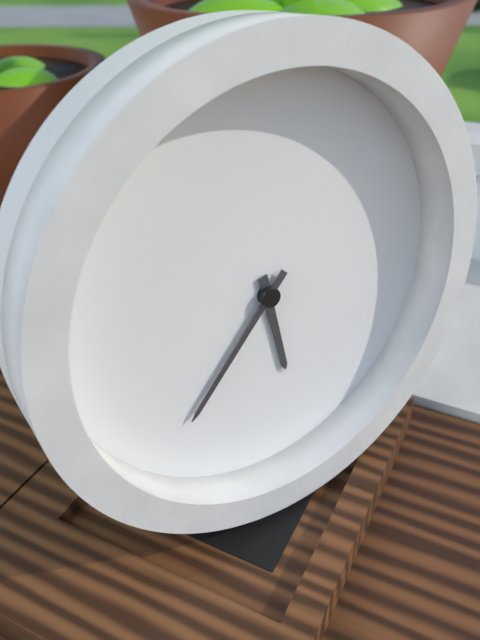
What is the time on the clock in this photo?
5:37
